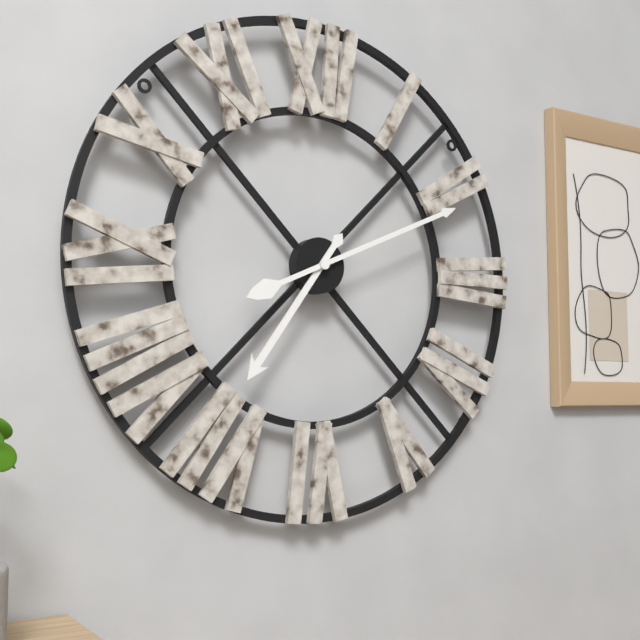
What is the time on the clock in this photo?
7:11
